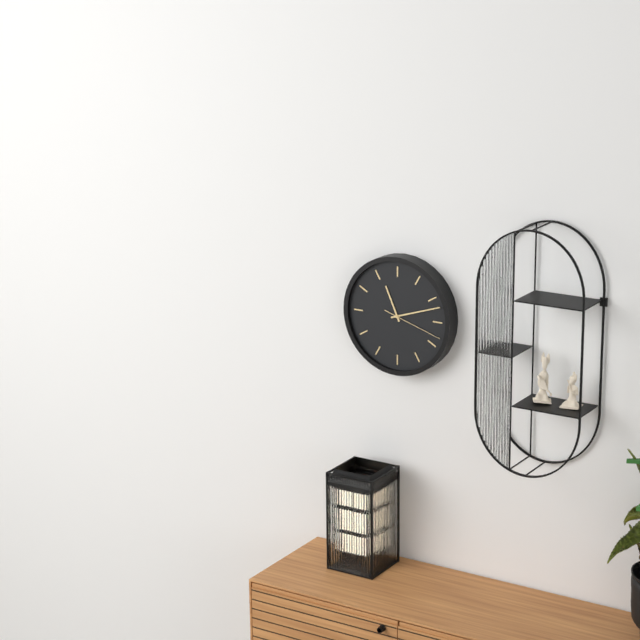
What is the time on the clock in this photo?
11:12:18
